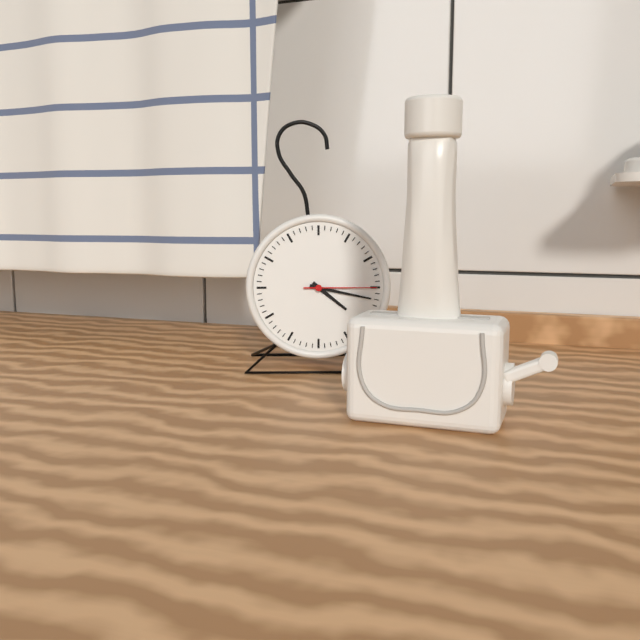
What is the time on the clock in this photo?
4:17:15
